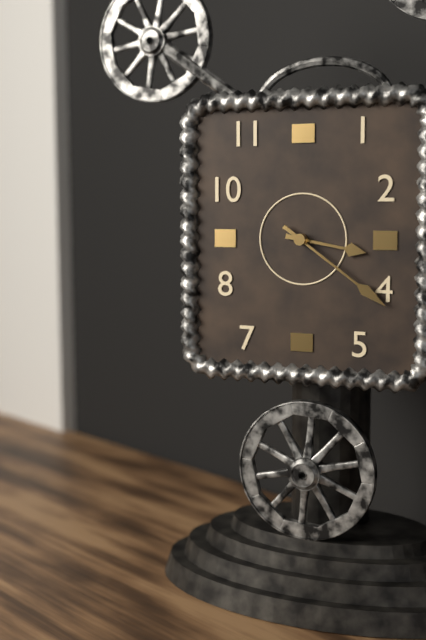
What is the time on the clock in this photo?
3:21
